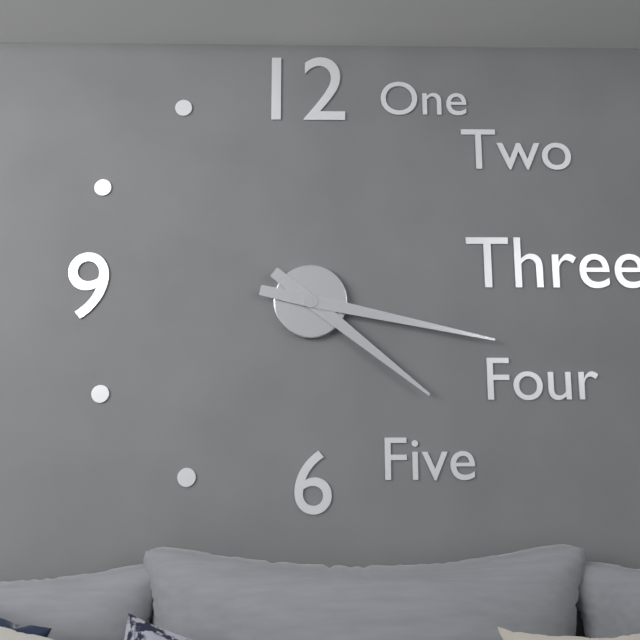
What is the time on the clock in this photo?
4:17
